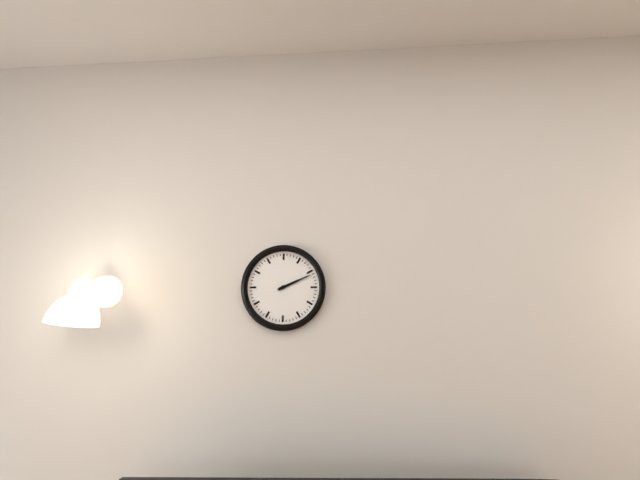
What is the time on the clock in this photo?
2:11
